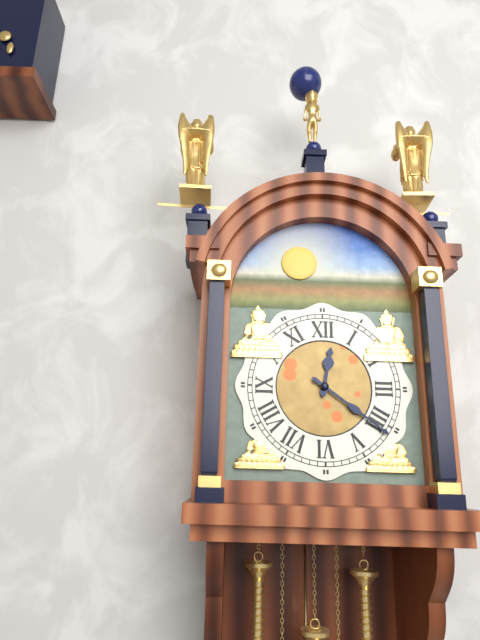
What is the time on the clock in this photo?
12:21
